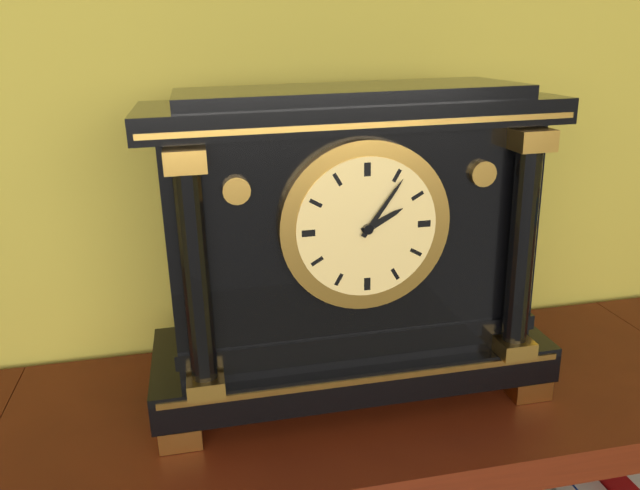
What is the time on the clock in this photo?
2:06
